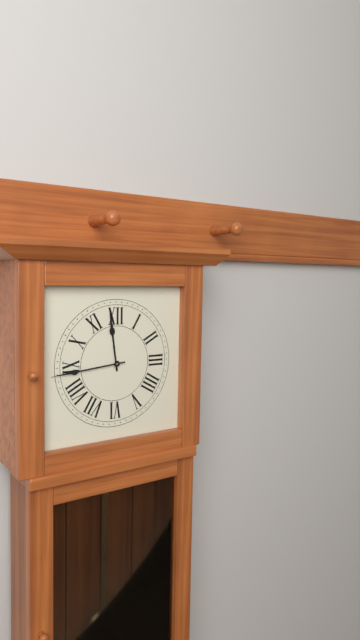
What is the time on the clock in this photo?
11:44
